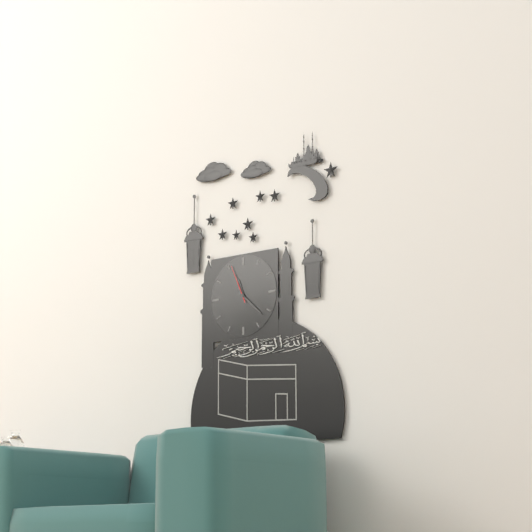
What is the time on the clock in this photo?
11:22
